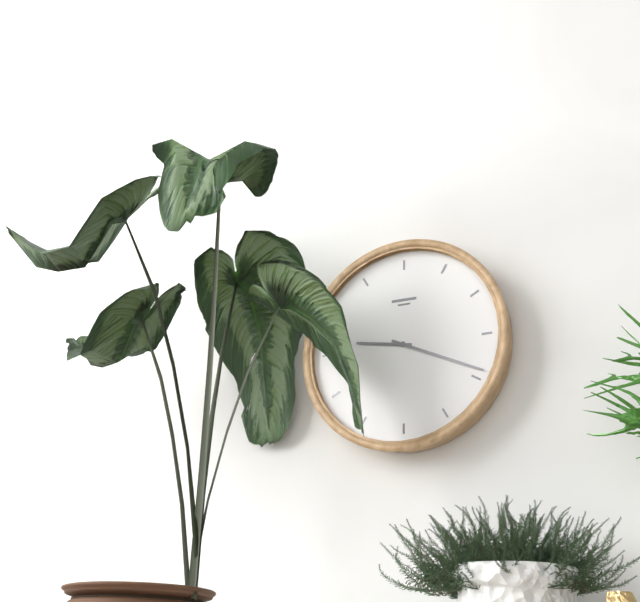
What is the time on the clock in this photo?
9:19
